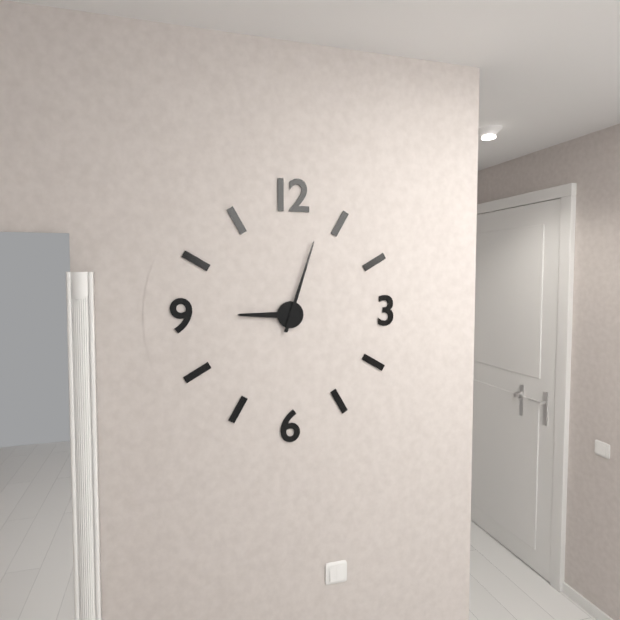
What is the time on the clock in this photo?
9:03
